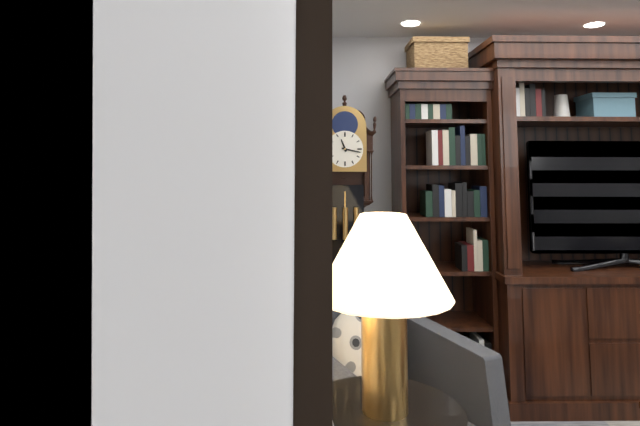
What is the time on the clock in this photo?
11:17
